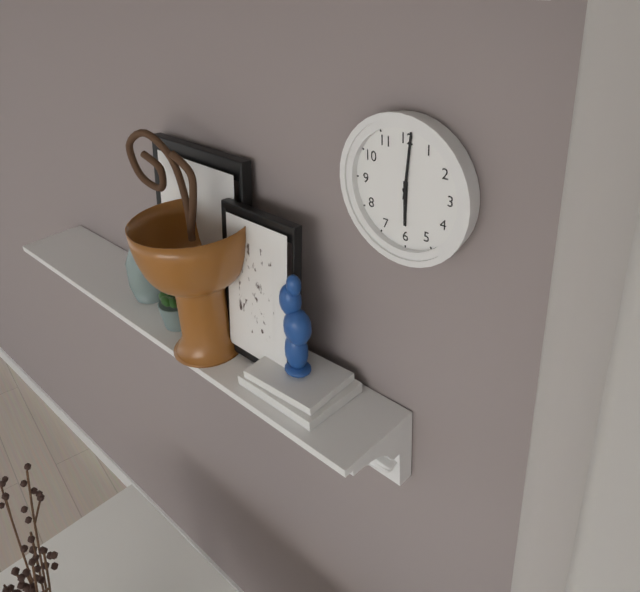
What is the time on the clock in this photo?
6:01
